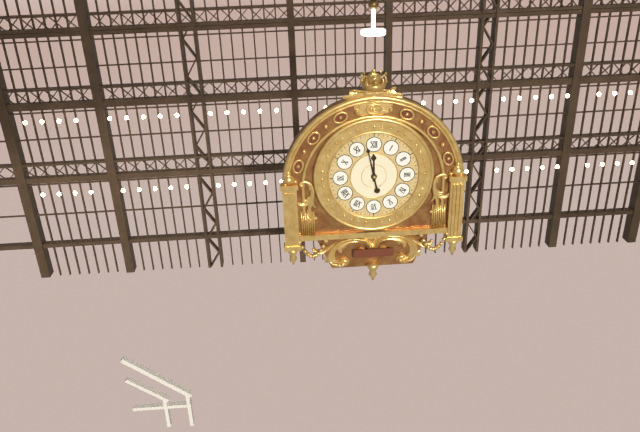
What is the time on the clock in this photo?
11:58
